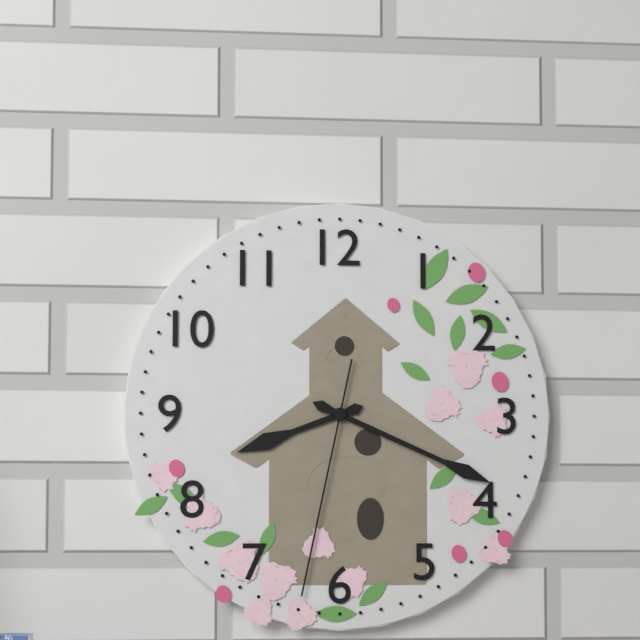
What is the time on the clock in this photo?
8:19:32
